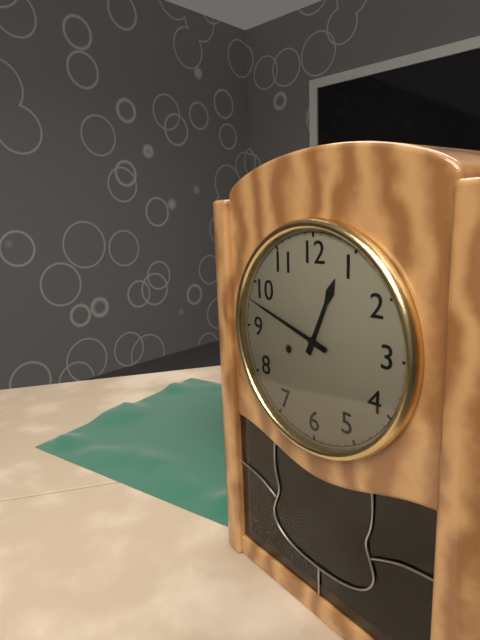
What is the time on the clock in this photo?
12:48
